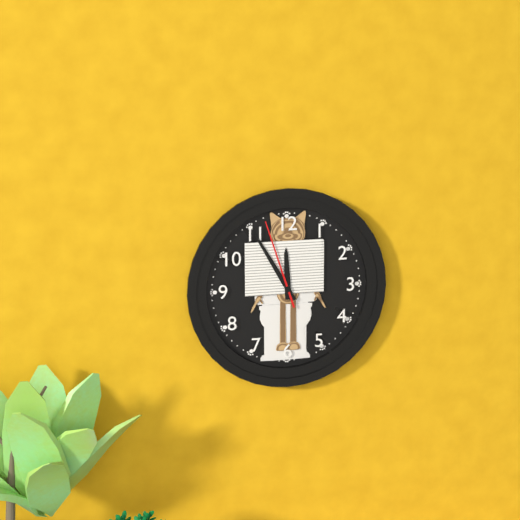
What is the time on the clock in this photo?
11:55:57
